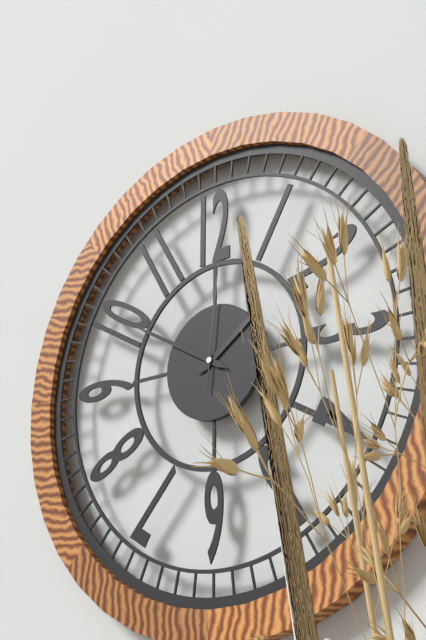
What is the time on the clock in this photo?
1:50:01
